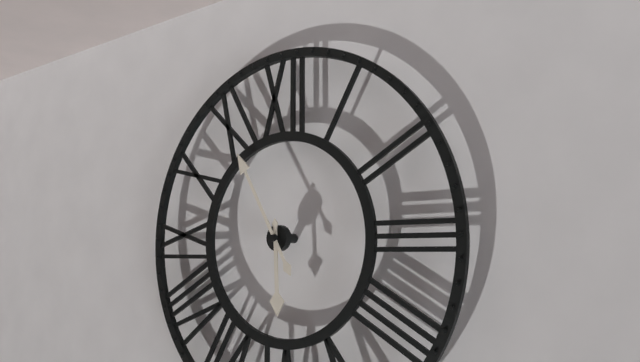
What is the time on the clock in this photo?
5:55
